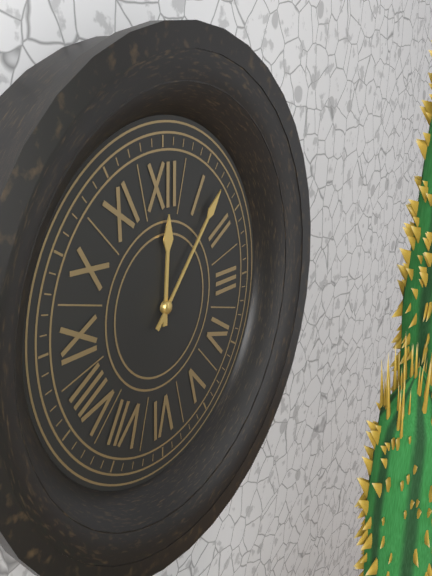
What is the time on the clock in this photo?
12:07
